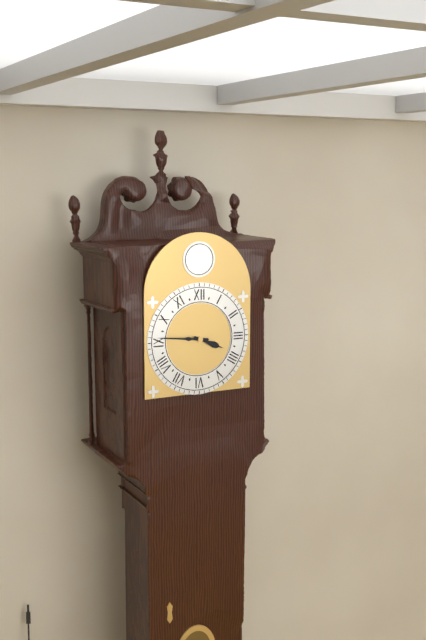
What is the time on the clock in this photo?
3:46
